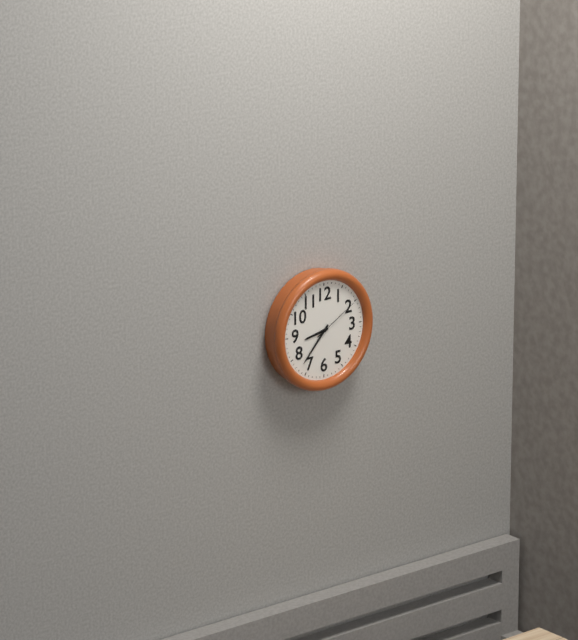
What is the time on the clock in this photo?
8:37:10
